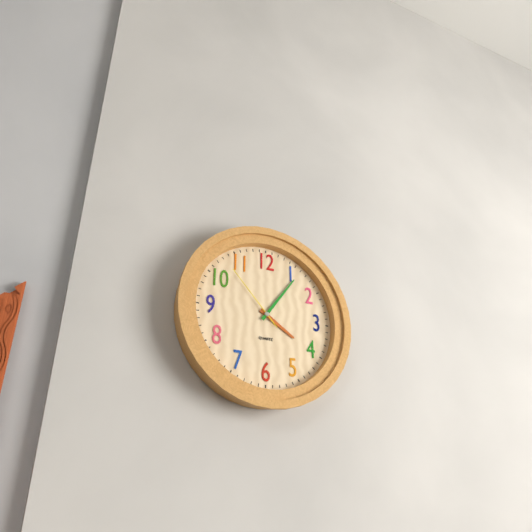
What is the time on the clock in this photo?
4:06:53
